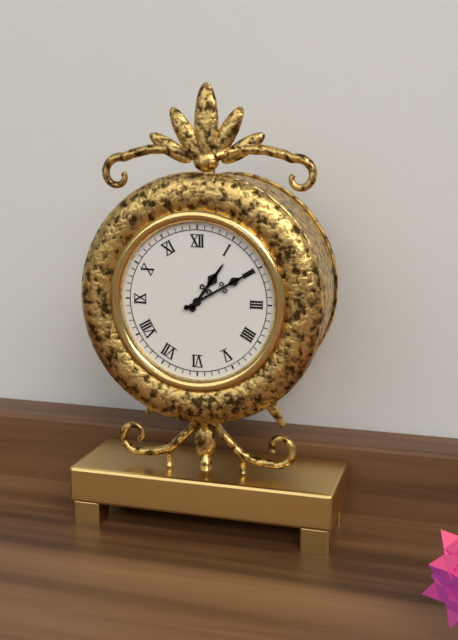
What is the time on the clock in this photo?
1:10
